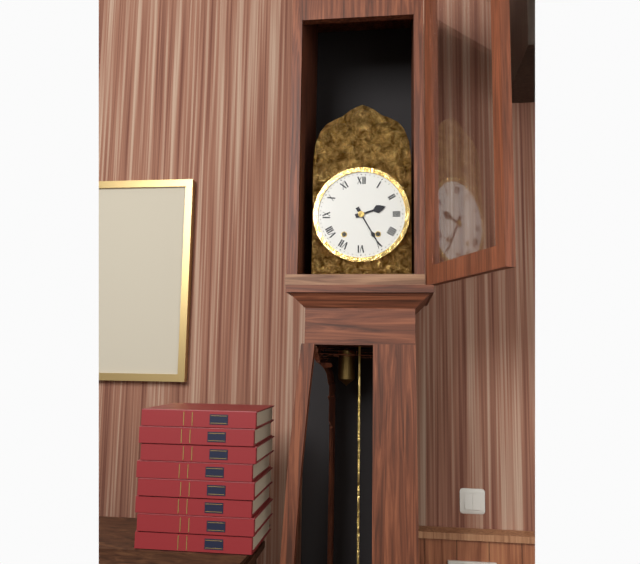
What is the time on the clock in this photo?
2:25
